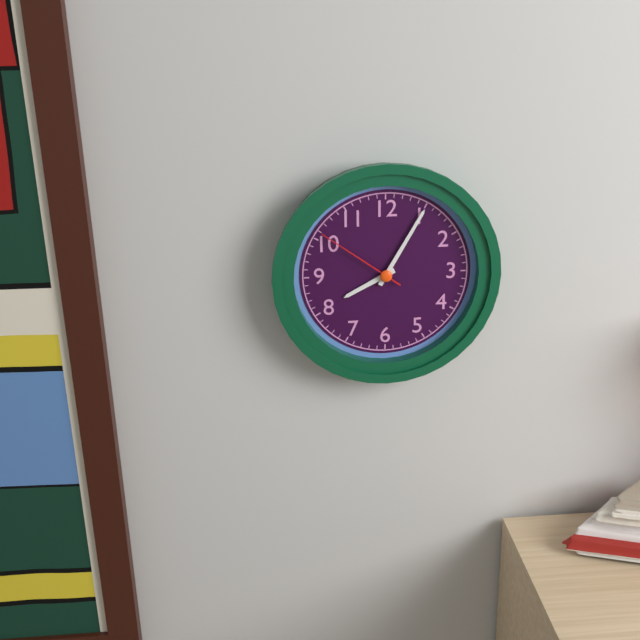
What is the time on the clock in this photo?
8:05:51
